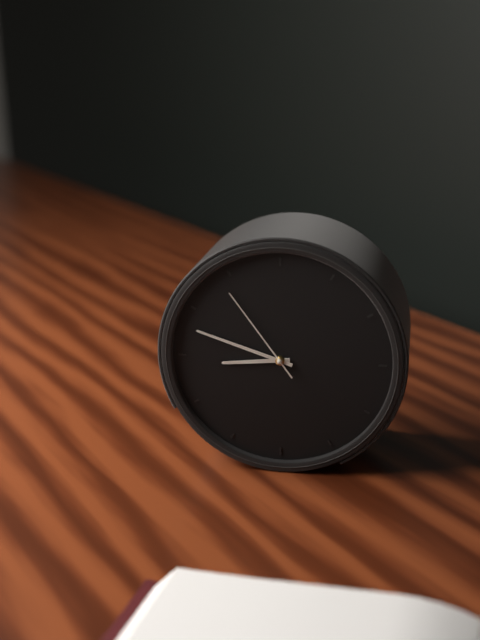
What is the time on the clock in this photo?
8:48:54
